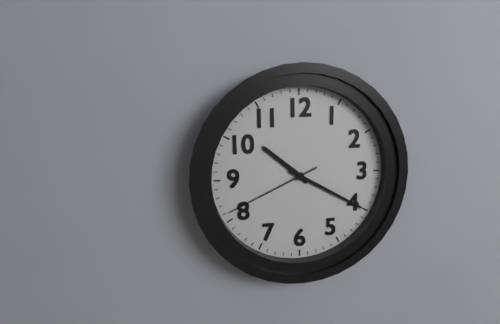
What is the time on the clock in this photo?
10:20:41
